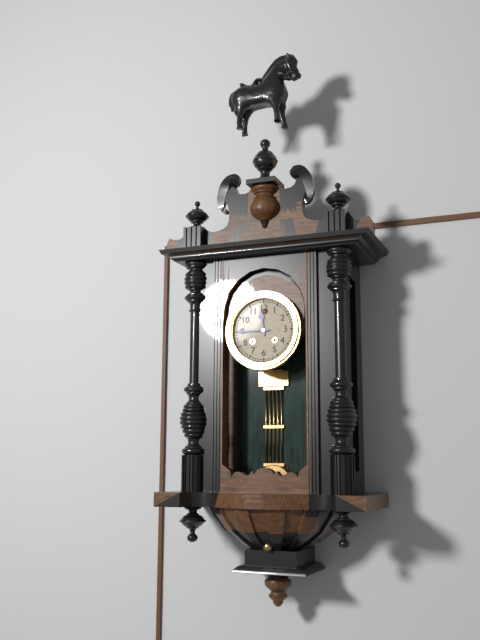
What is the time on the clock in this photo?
11:45
